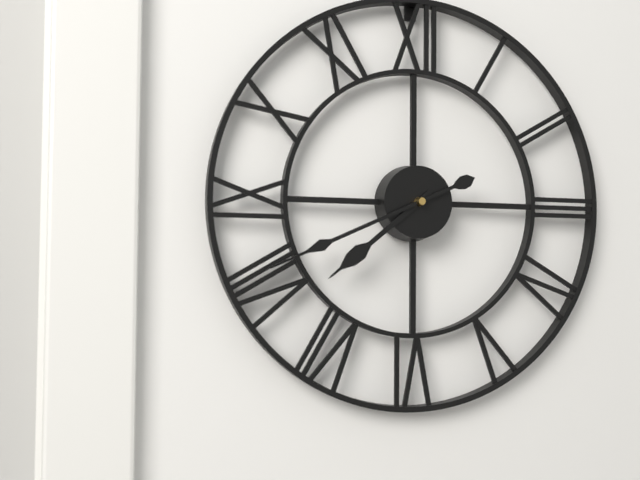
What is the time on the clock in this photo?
7:41
